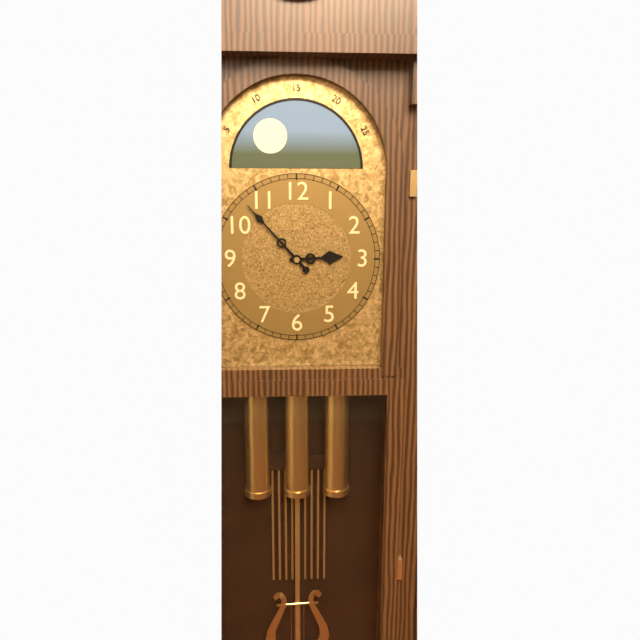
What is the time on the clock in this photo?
2:53
